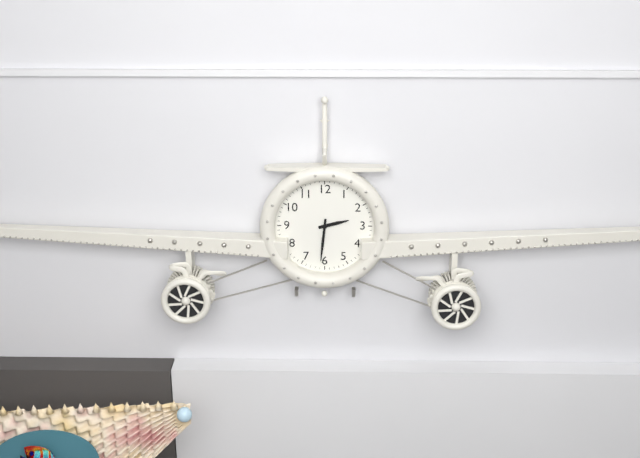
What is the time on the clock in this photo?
2:31
